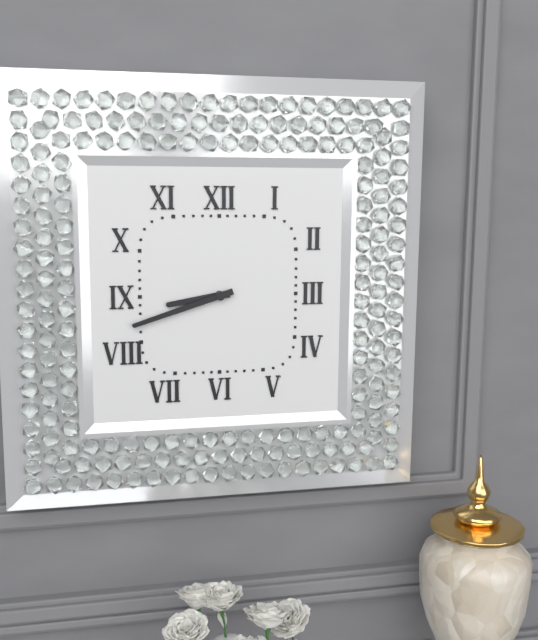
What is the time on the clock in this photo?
8:42
